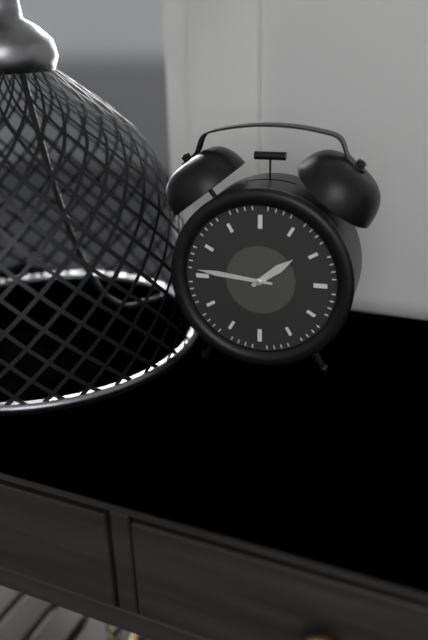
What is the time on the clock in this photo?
1:46
